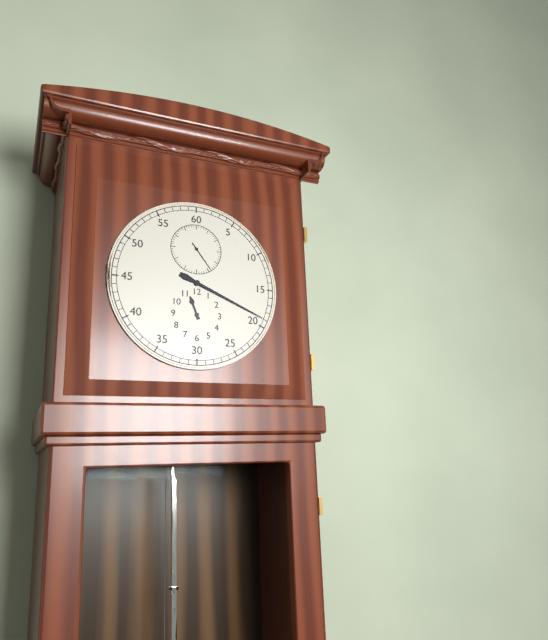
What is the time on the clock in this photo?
11:19
